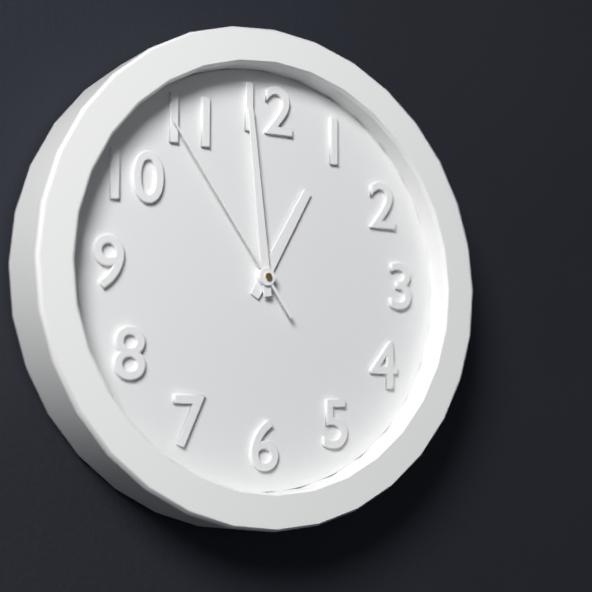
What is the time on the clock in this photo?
12:59:54
